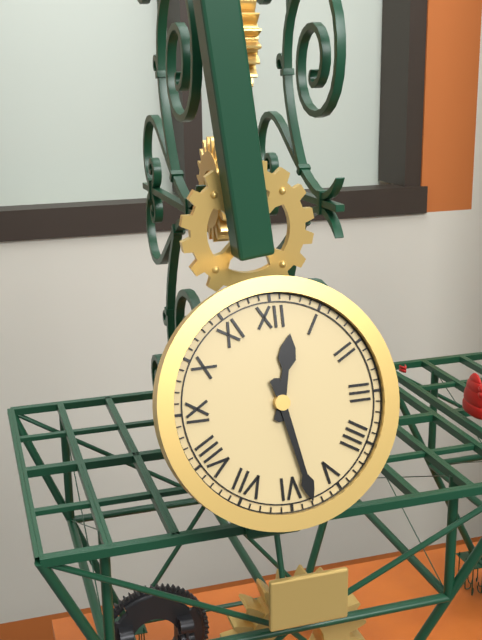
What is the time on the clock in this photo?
12:28
